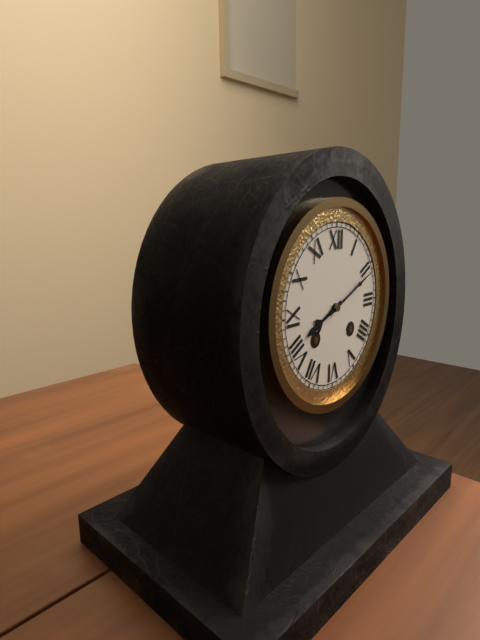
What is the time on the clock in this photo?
8:11
